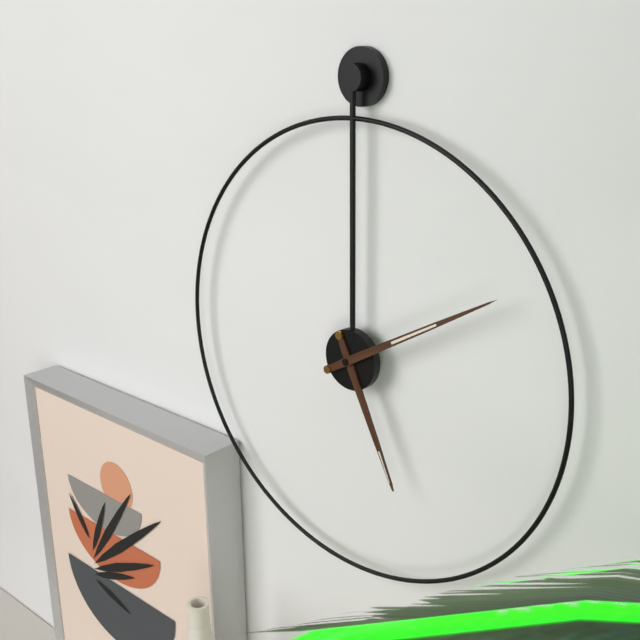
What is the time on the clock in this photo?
5:10
